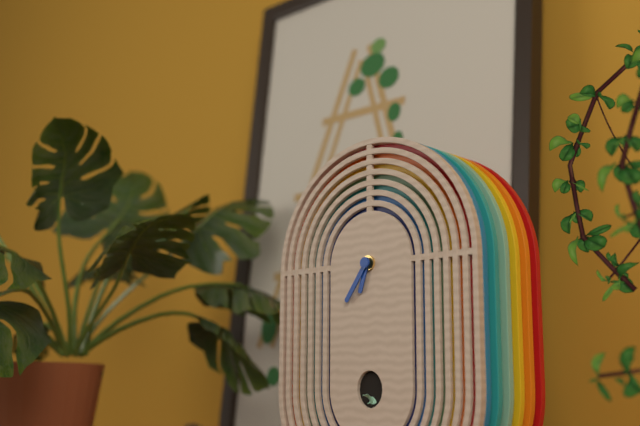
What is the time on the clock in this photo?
6:36
